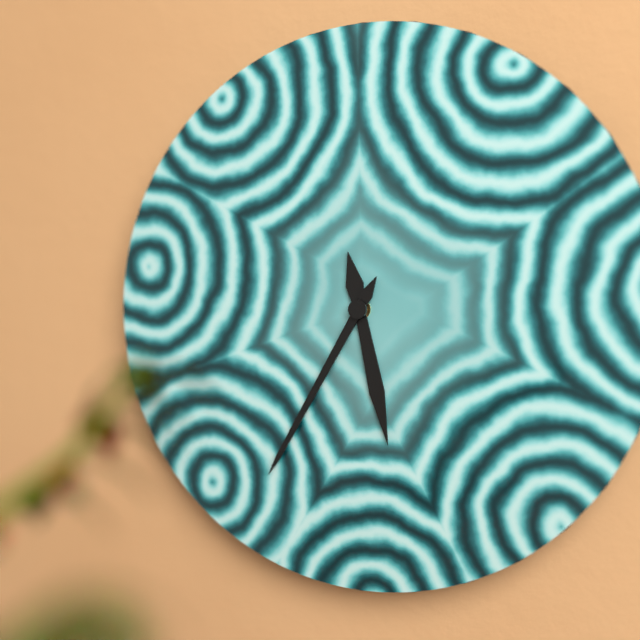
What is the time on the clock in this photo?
5:35
